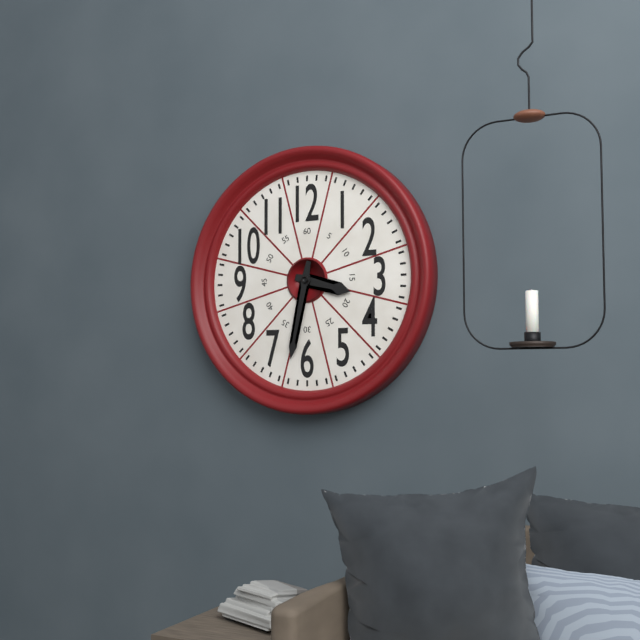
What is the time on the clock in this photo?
3:32
